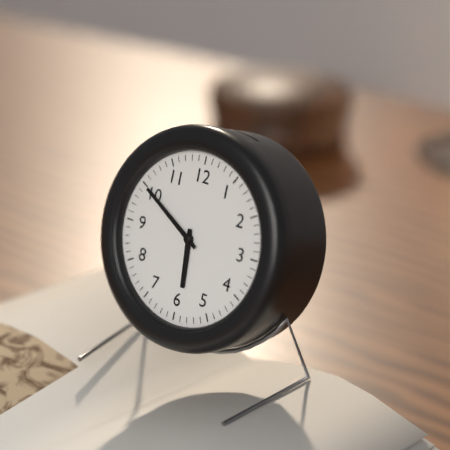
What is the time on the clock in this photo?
5:50
